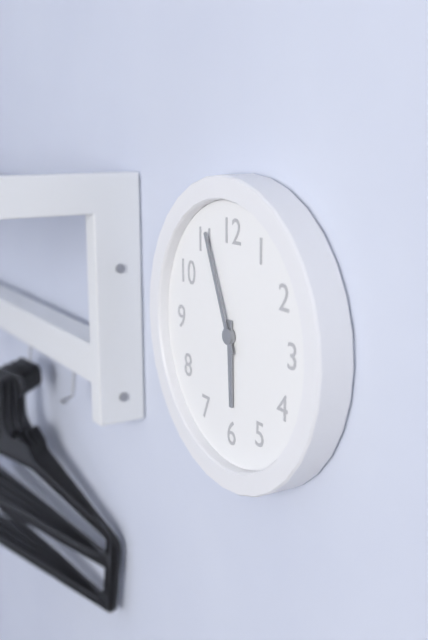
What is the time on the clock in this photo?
5:56
